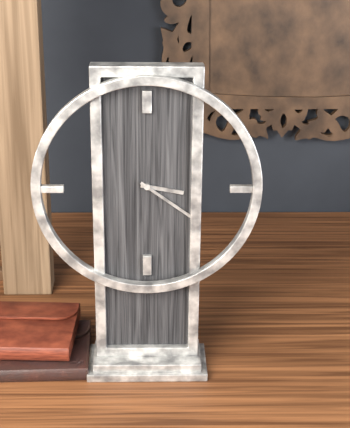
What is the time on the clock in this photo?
3:21
